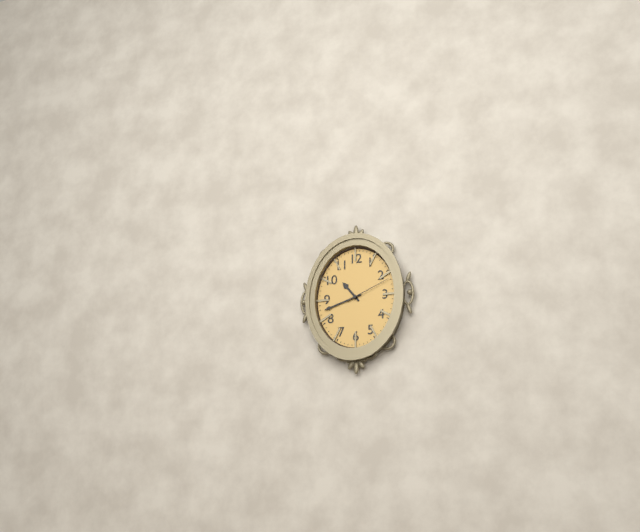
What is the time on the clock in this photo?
10:42
